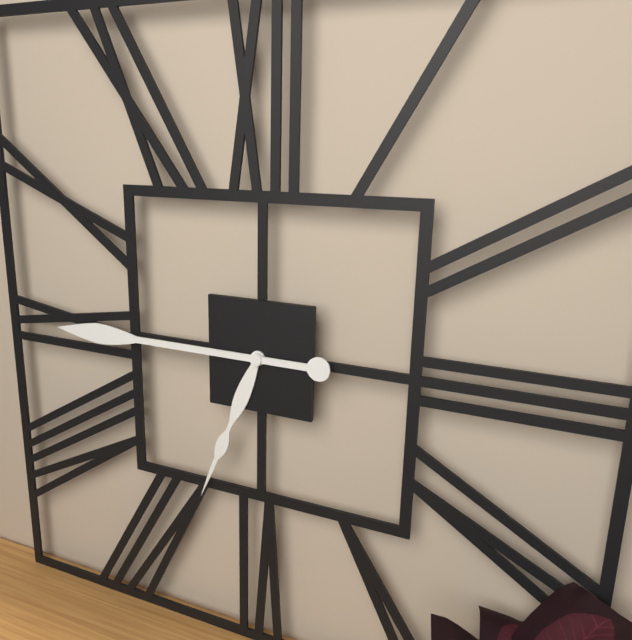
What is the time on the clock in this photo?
6:45
